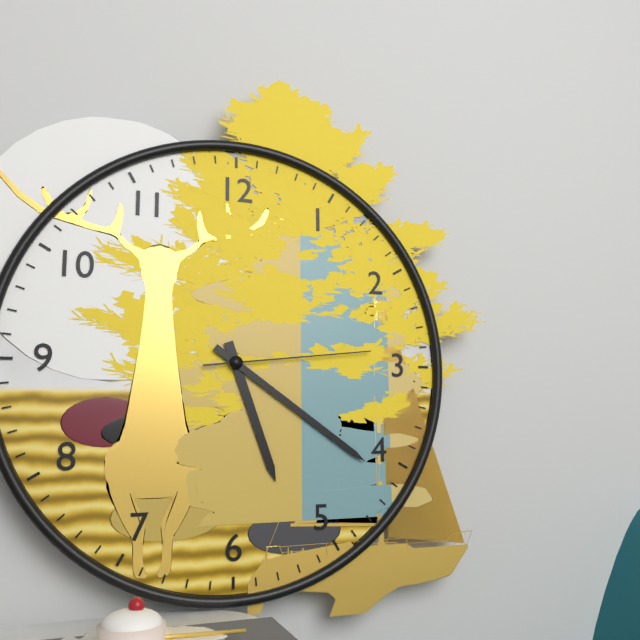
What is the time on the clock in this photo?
5:21:14
